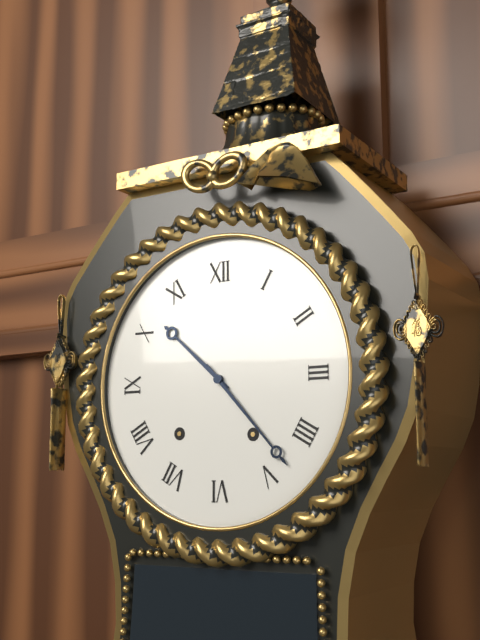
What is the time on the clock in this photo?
10:23
